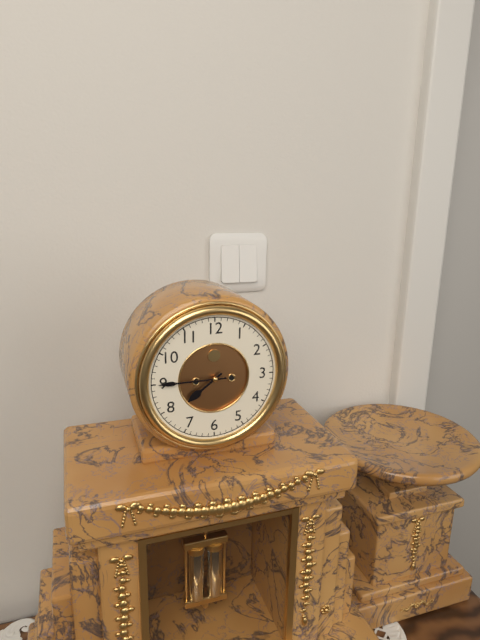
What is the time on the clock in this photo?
7:45
